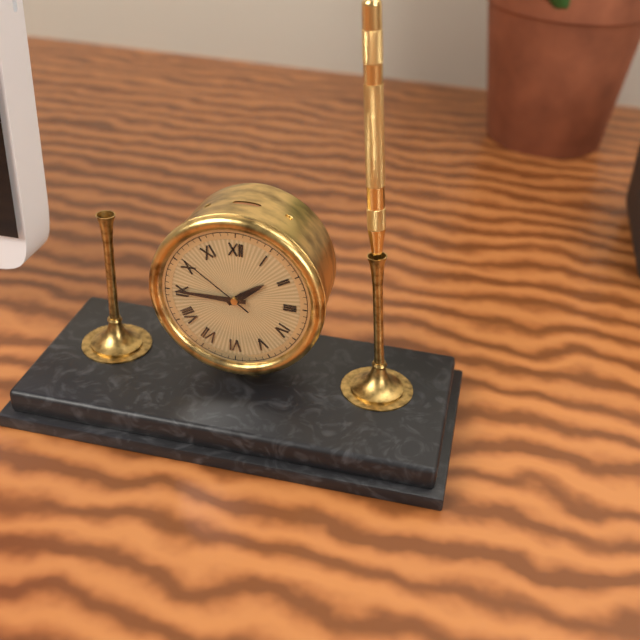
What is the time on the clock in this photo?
1:45:51
